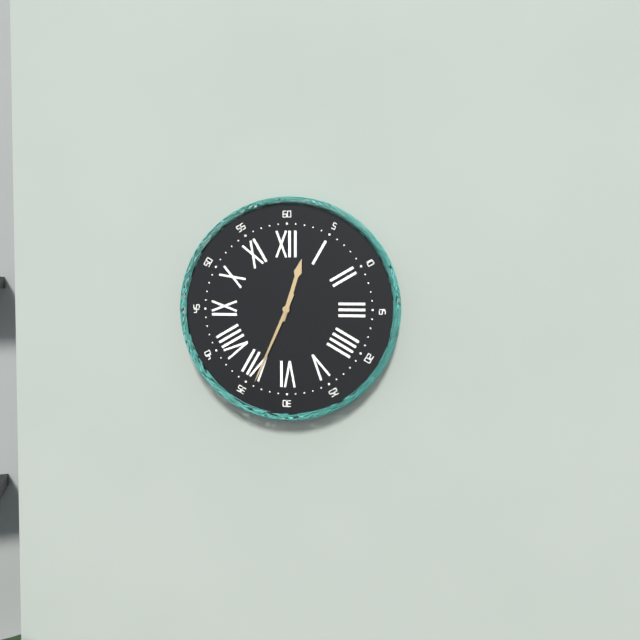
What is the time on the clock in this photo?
12:34
